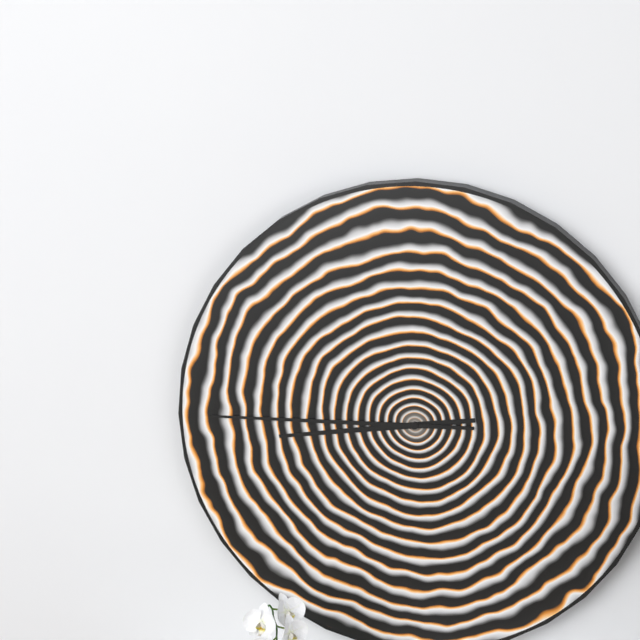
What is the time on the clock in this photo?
8:45
